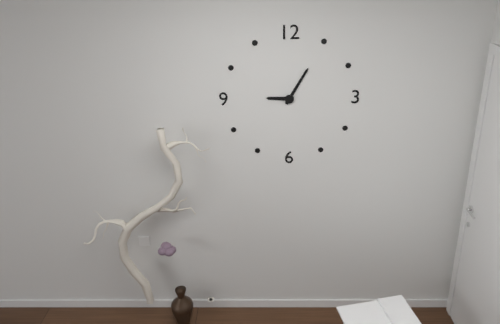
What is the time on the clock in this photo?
9:05
